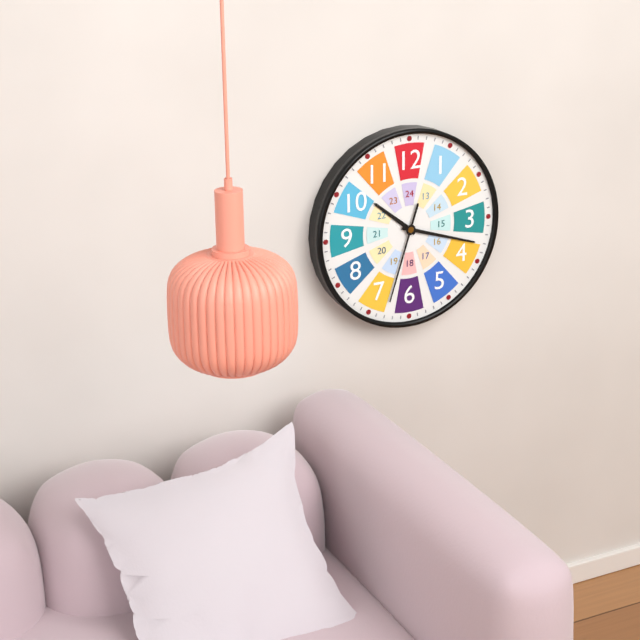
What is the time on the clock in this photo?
10:18:33
